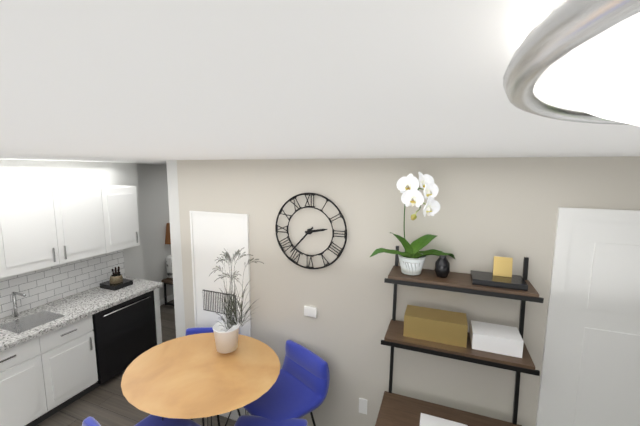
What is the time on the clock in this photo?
2:37
